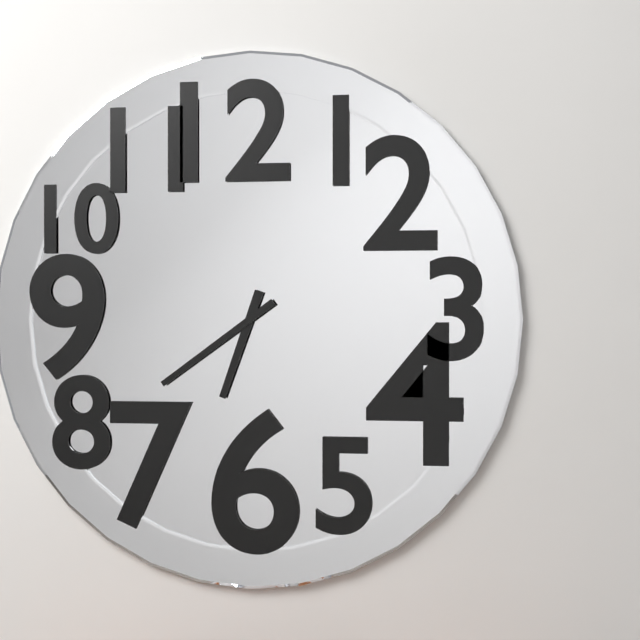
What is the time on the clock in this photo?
6:39
